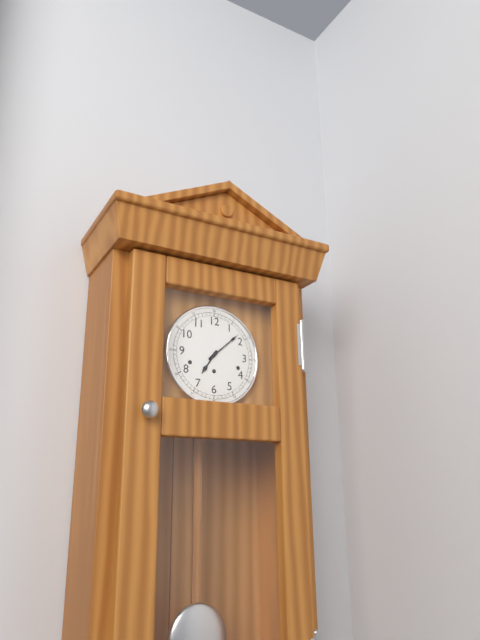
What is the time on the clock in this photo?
7:08
